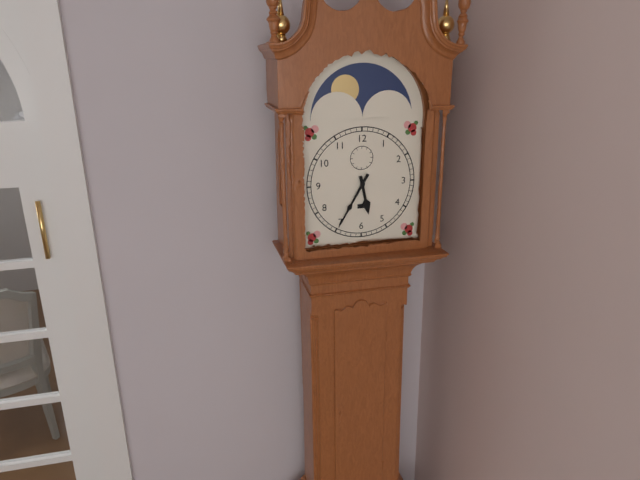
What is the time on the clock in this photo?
5:35
